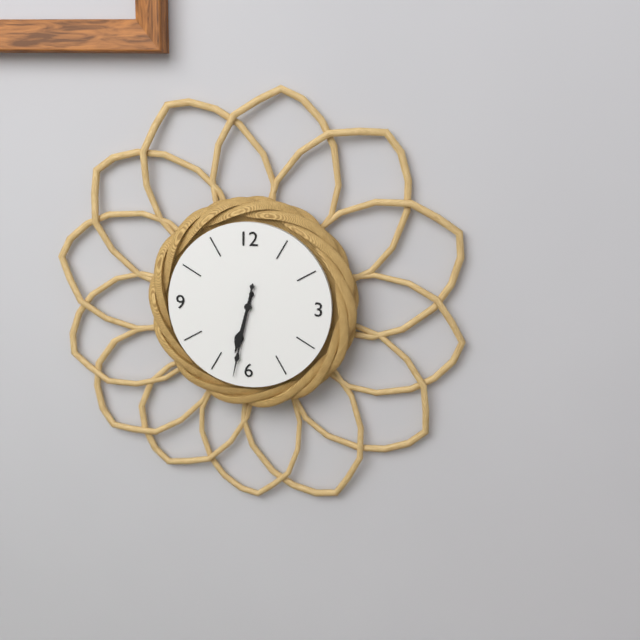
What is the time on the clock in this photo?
6:32
